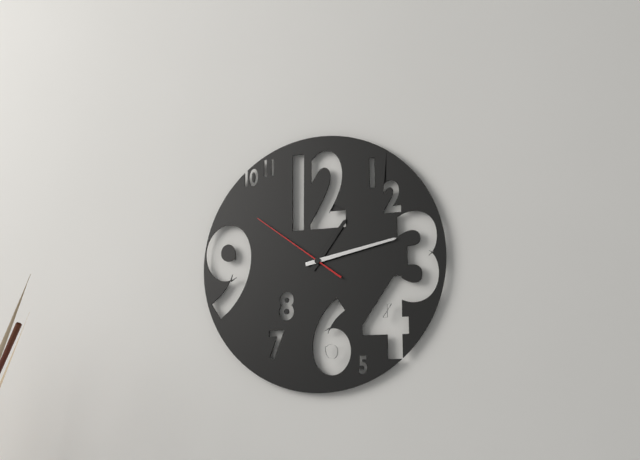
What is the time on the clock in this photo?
1:13:51
